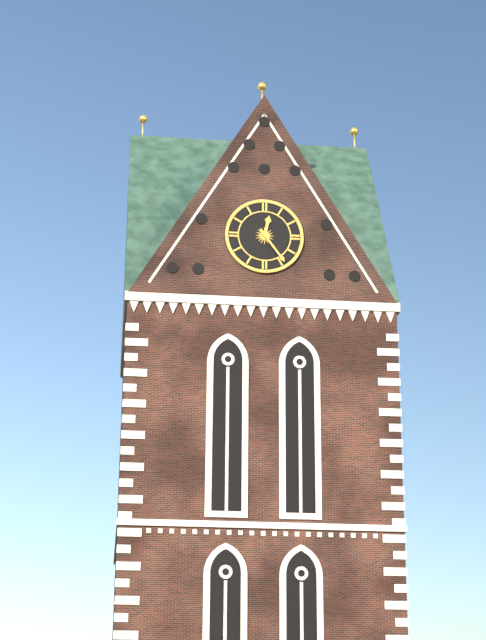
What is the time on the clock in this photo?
12:24
